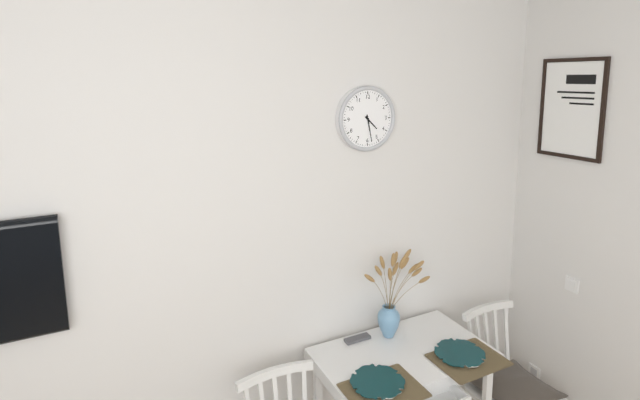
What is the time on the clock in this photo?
4:28
